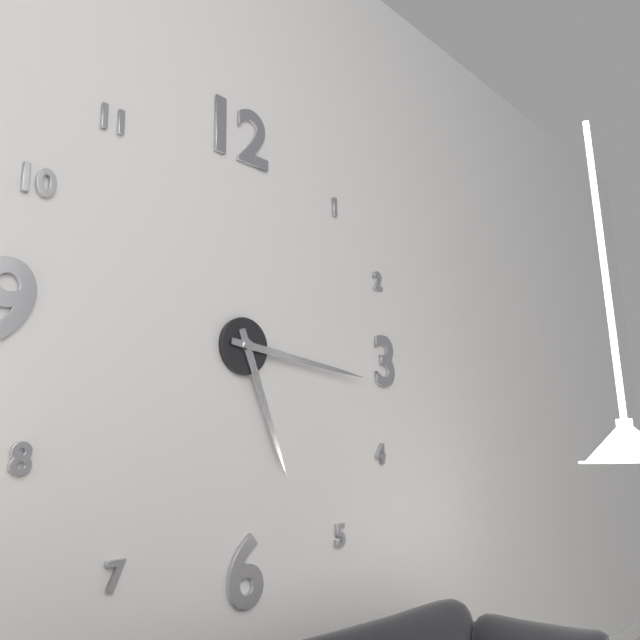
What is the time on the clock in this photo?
5:16
